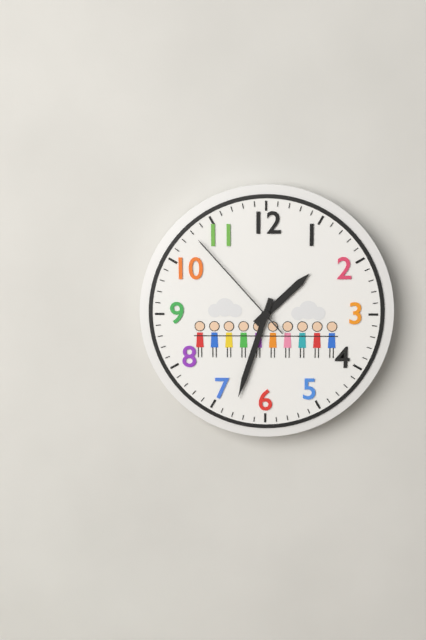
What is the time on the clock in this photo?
1:33:53
